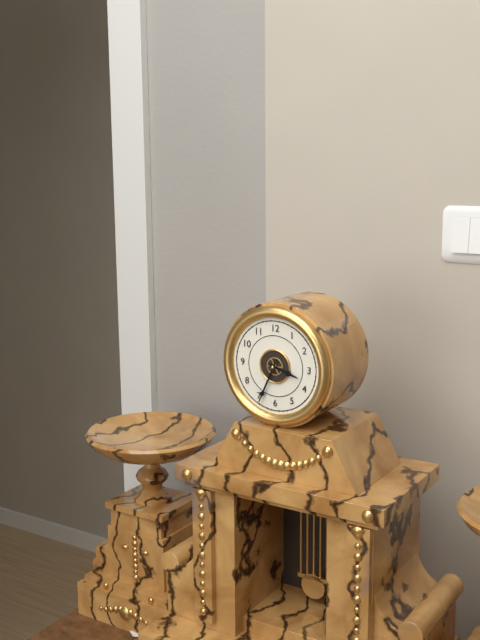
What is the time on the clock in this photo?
3:34
